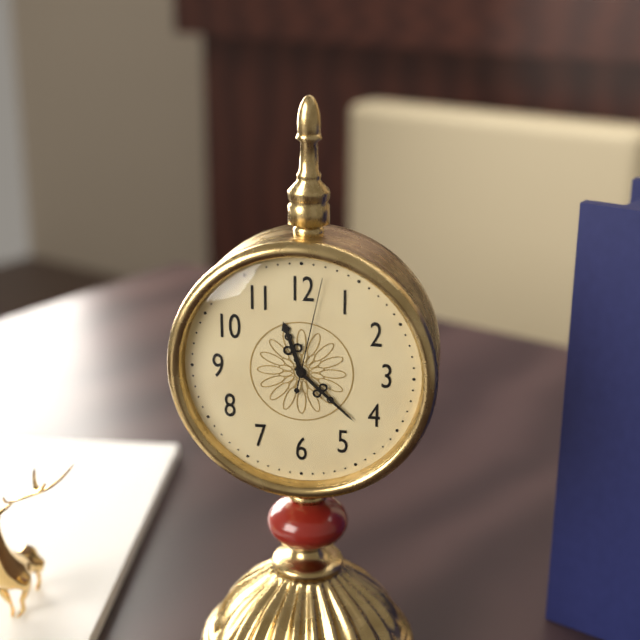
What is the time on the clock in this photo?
11:22:02
